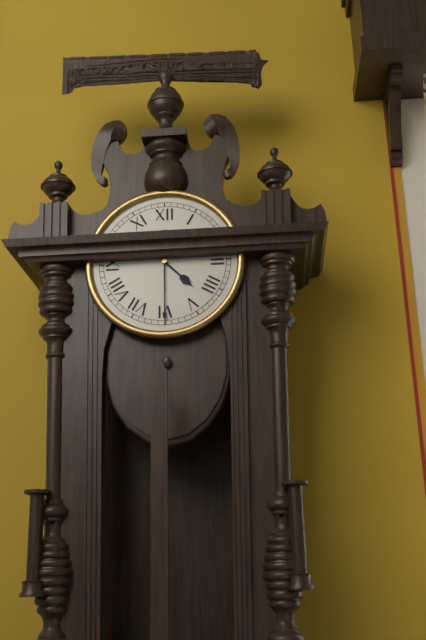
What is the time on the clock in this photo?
4:30
